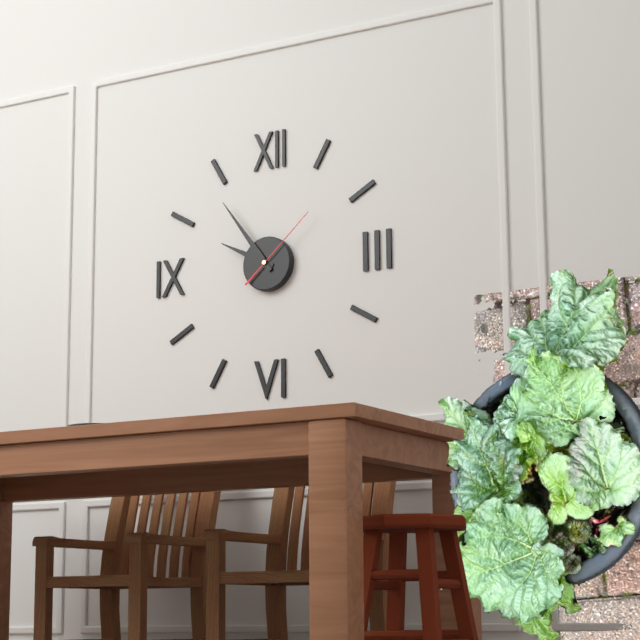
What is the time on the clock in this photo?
9:54:08
